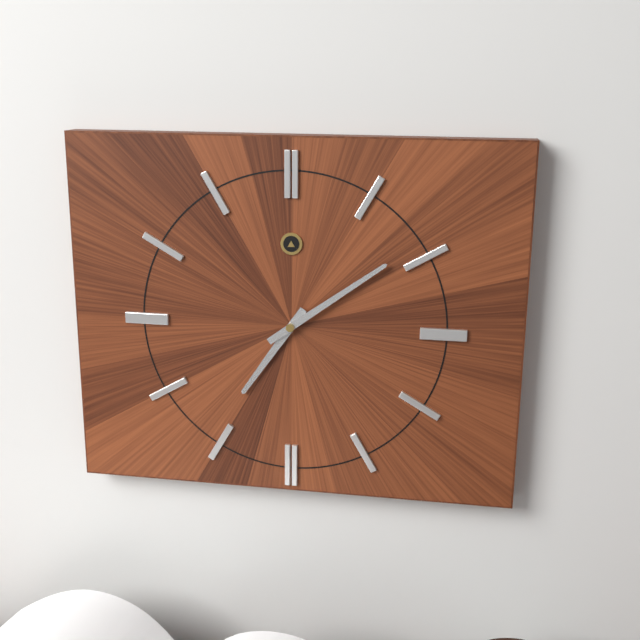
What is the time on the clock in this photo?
7:09
